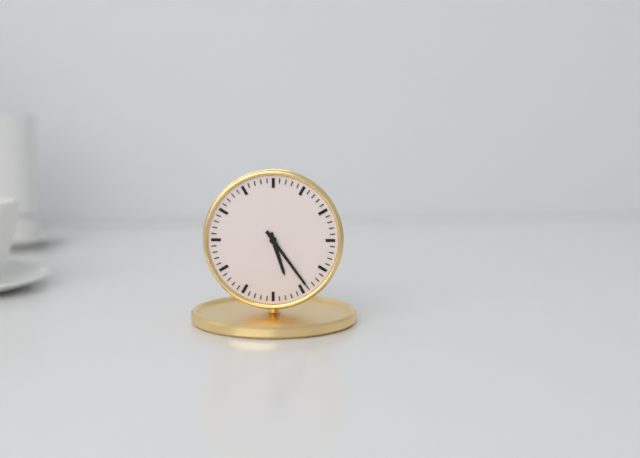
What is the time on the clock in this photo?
5:24
